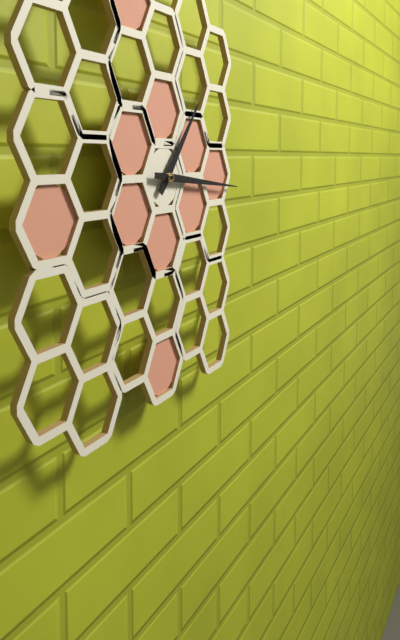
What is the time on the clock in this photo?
1:16
